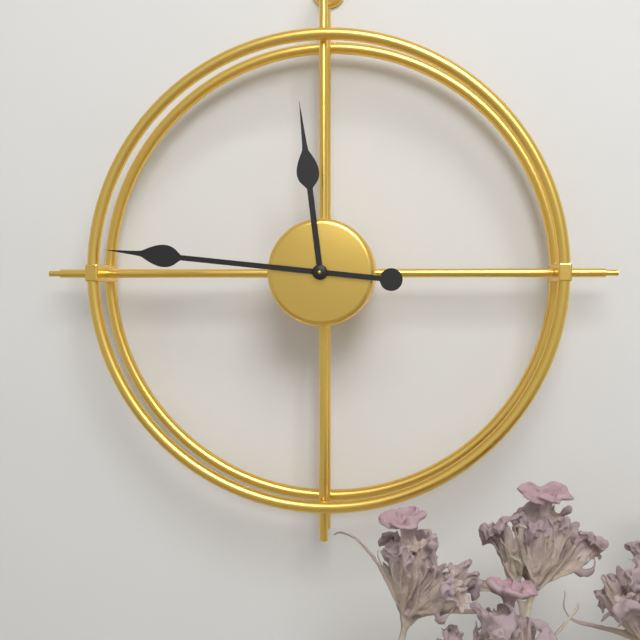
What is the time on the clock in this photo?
11:46
